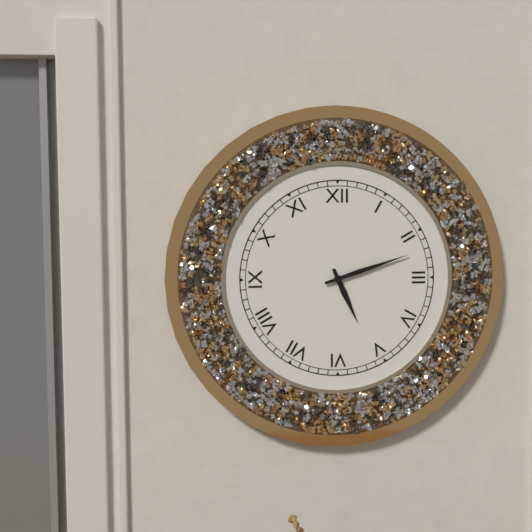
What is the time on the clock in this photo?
5:12
